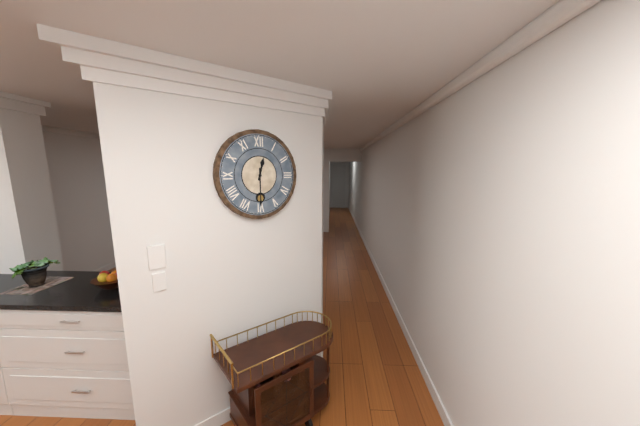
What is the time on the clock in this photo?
12:30
